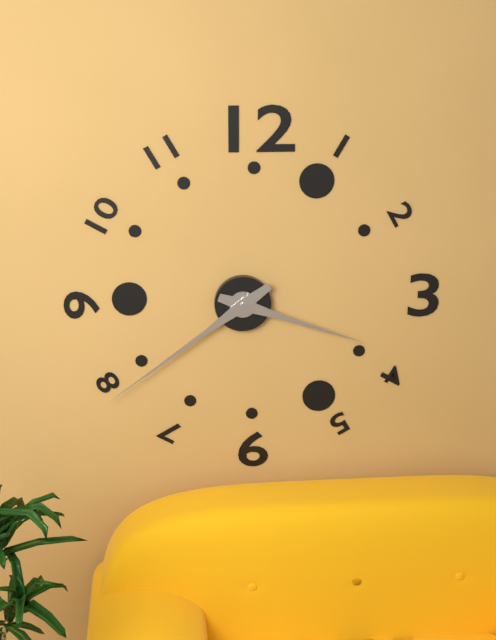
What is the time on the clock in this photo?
3:39
